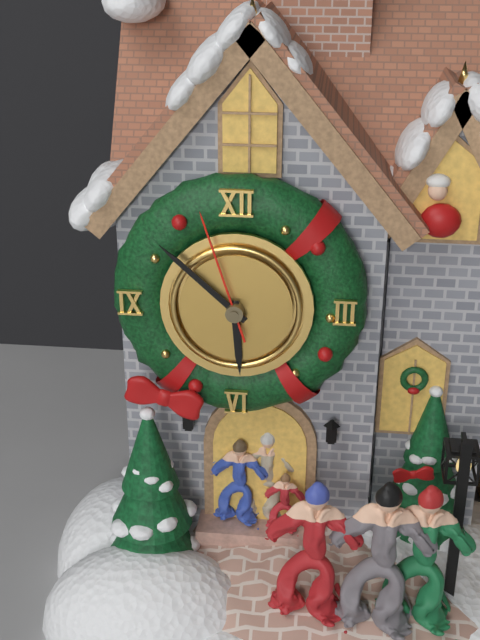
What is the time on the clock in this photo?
5:52:57
